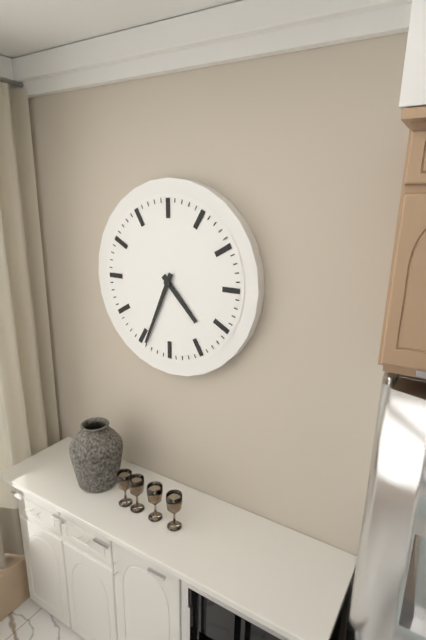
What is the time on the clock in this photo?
4:34
